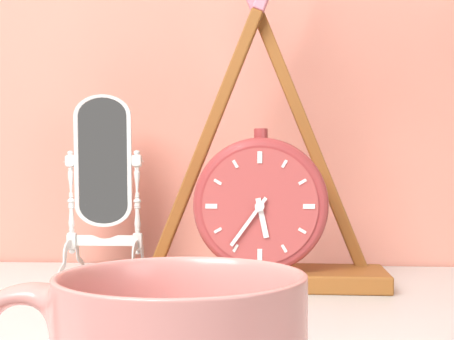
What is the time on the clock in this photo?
5:36
